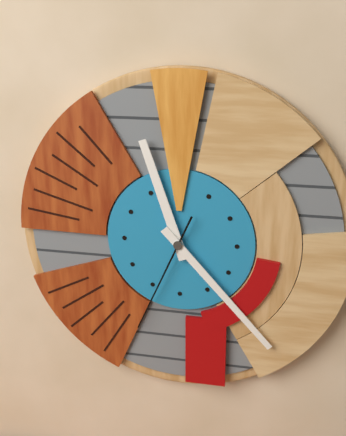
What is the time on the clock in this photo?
11:23:34
